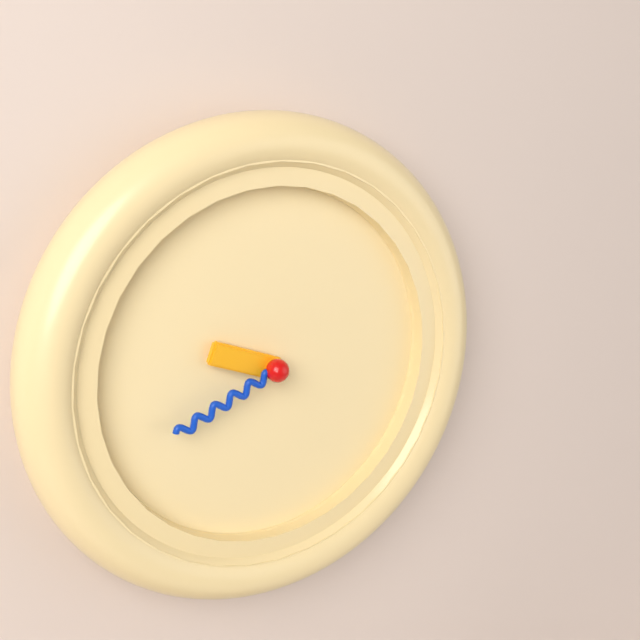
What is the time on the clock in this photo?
9:41
